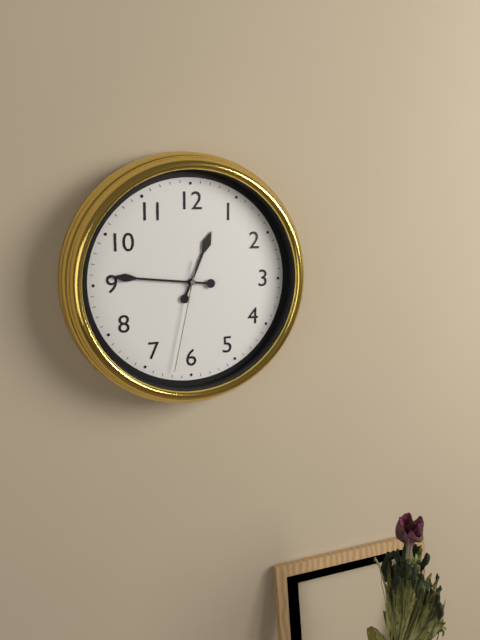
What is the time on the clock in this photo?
12:46:32
